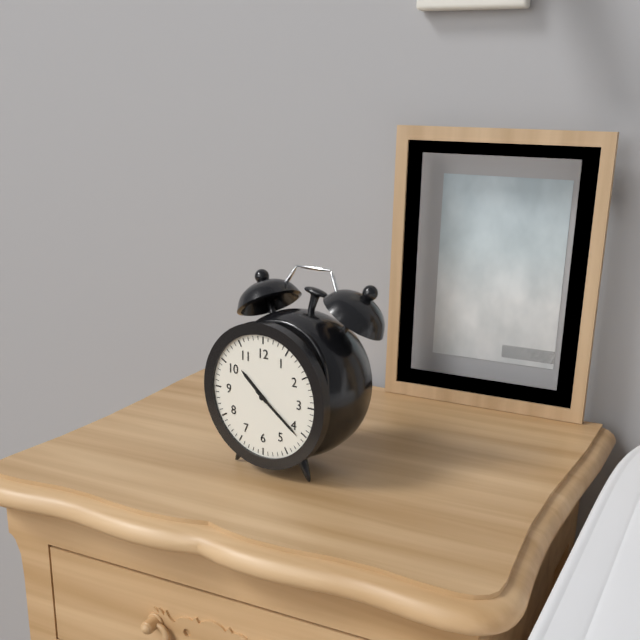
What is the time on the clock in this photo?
10:21
